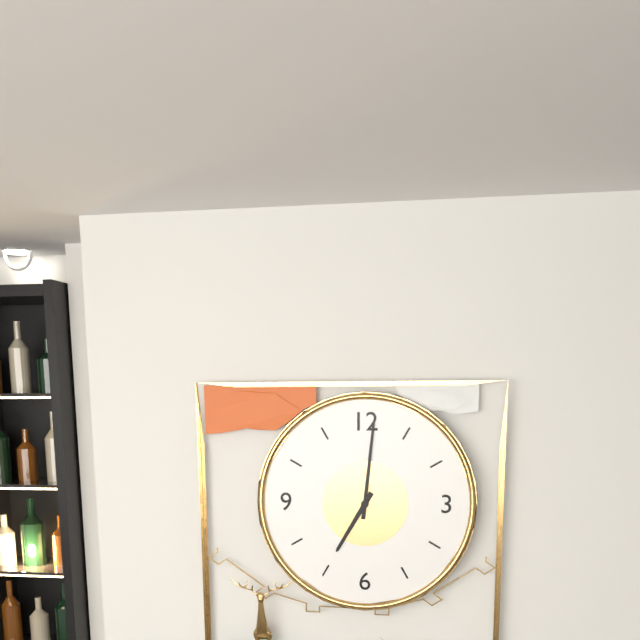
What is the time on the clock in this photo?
7:01
